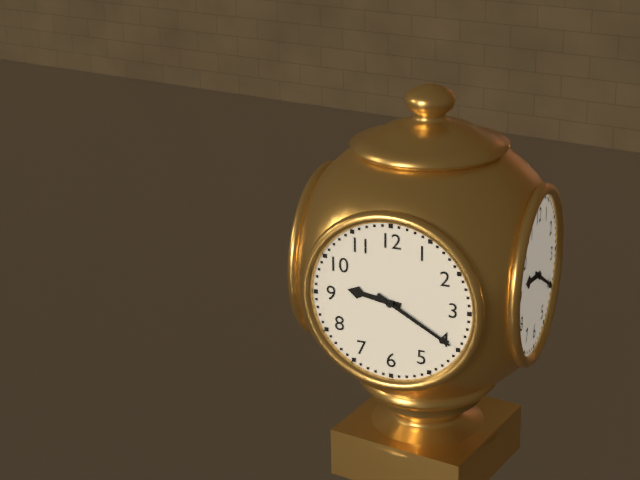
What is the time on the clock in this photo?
9:20
